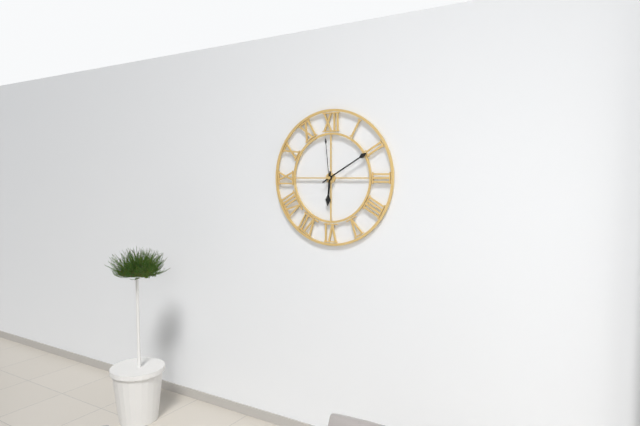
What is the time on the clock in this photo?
6:10:59
